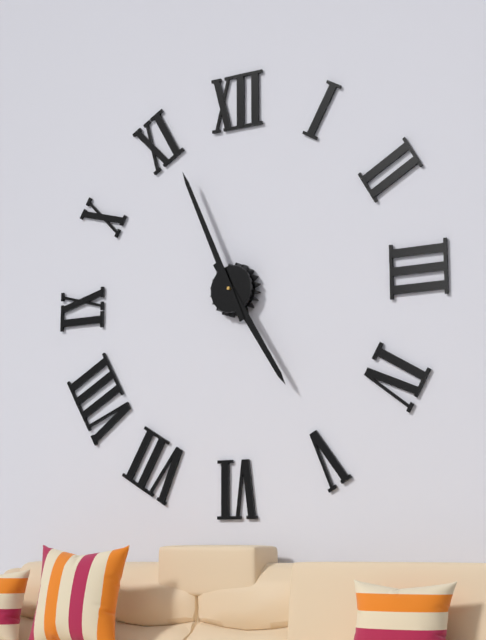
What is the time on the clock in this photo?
4:56
